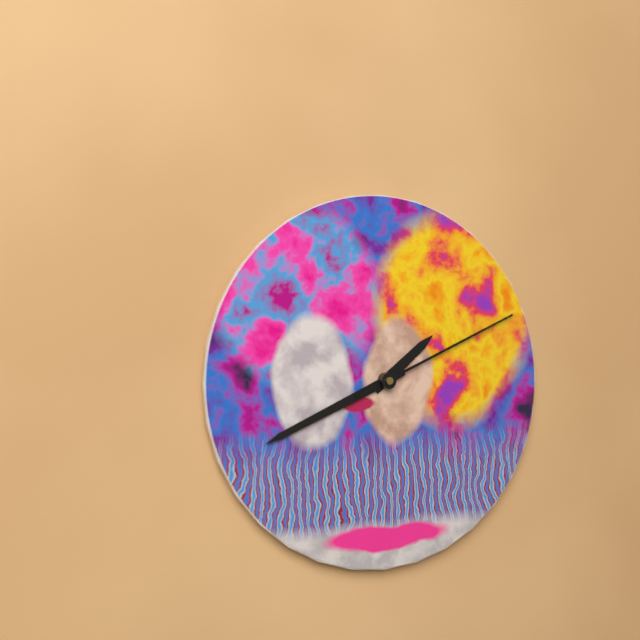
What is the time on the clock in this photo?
1:41:11
